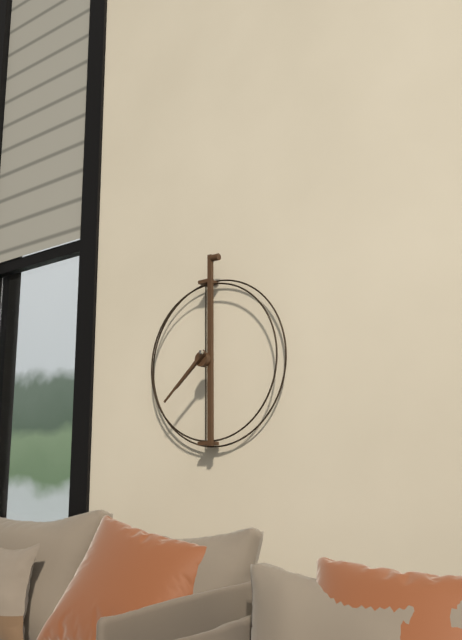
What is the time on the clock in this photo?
7:38
